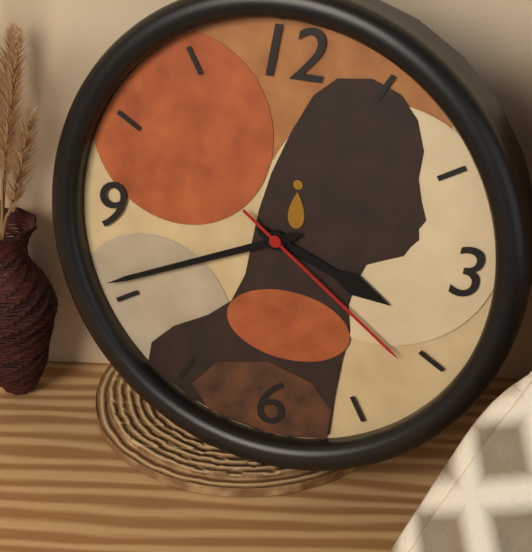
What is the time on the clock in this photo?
3:41:21
